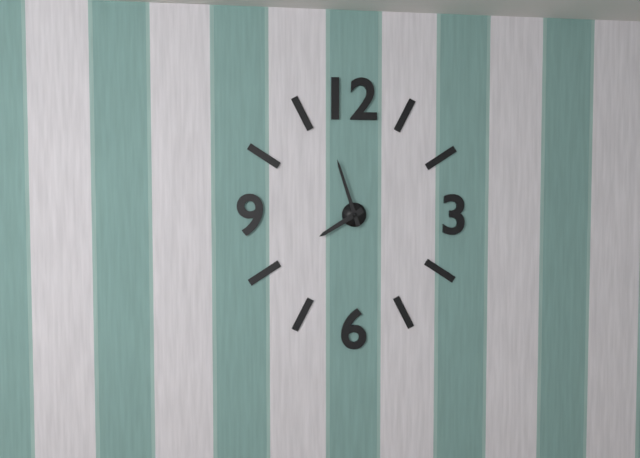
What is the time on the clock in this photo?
7:57
